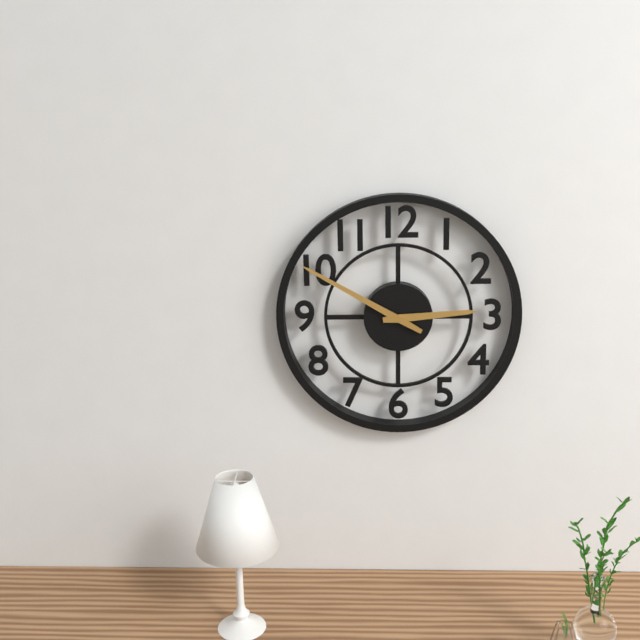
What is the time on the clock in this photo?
2:50
